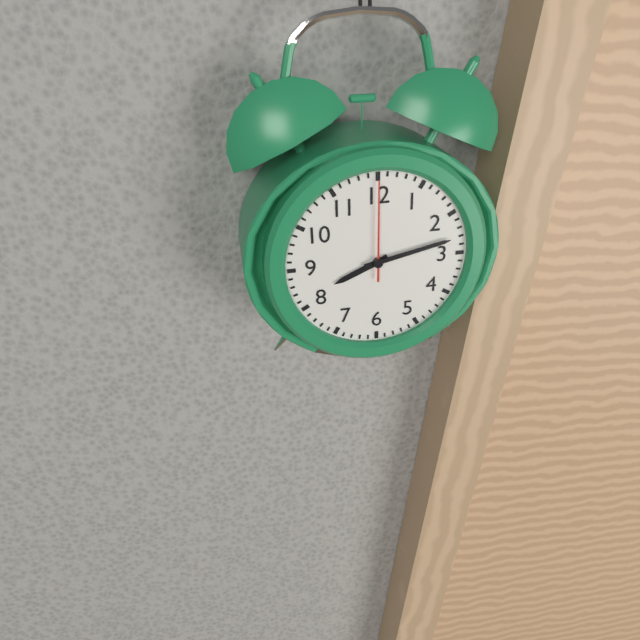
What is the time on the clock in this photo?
8:13:00
